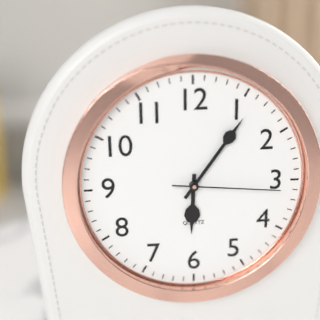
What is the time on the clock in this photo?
6:06:16
